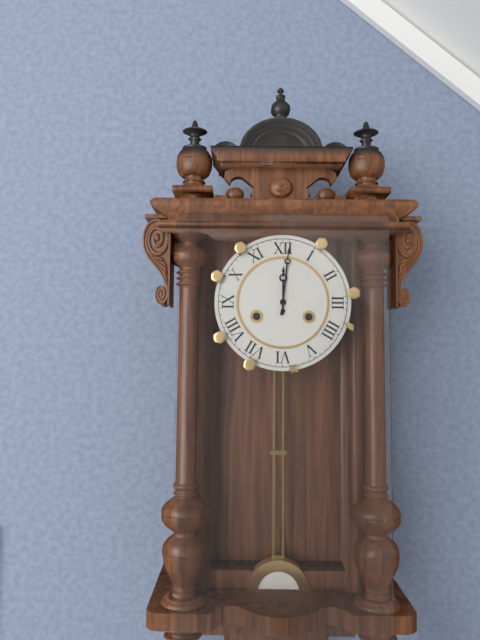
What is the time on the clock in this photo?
12:01
